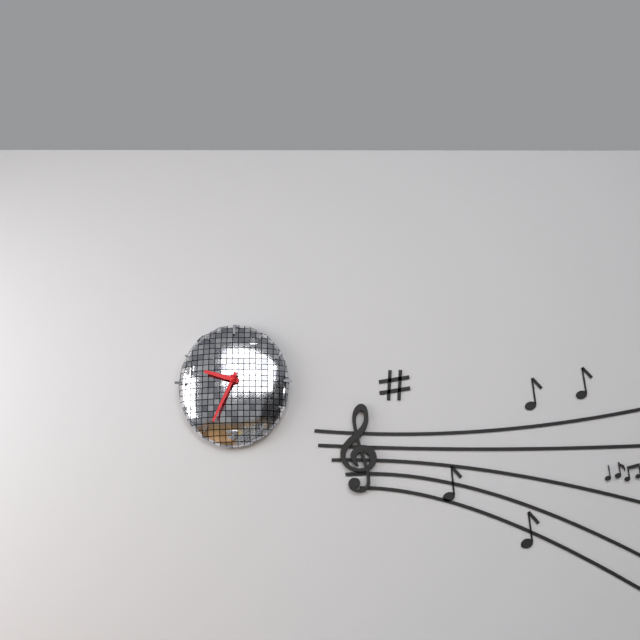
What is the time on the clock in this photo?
9:34
